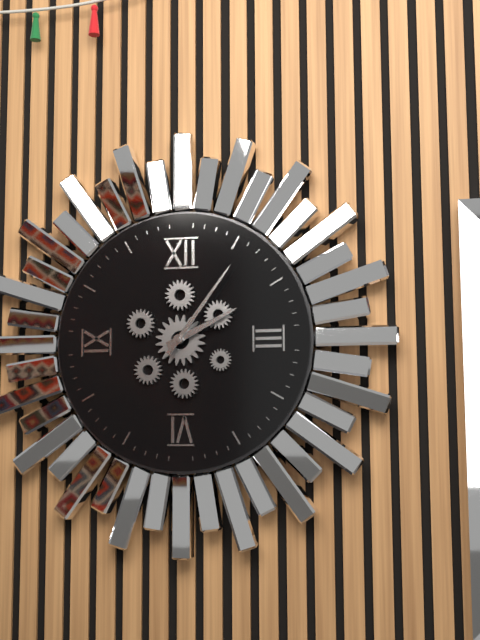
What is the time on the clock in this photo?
2:06
